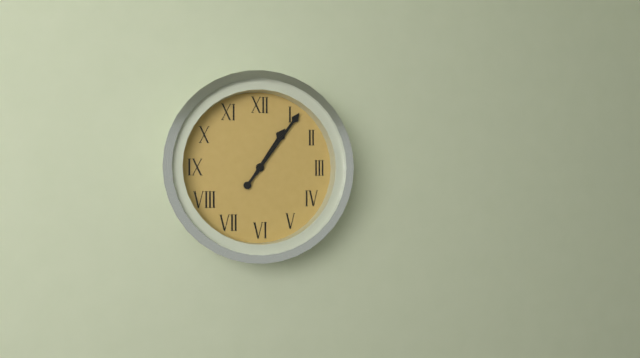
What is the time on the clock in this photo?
1:06
